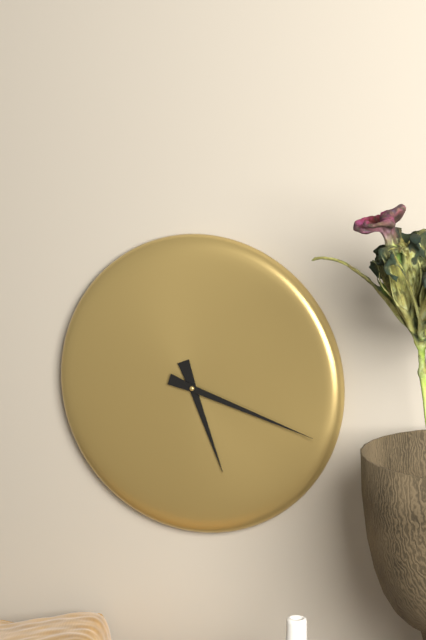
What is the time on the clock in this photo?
5:18
